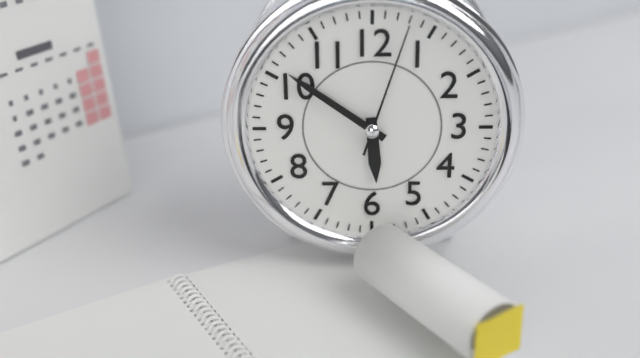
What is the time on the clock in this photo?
5:51:03
